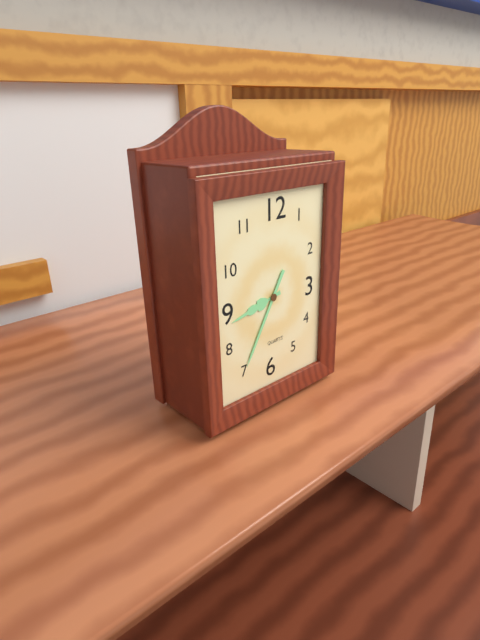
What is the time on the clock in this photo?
8:35
